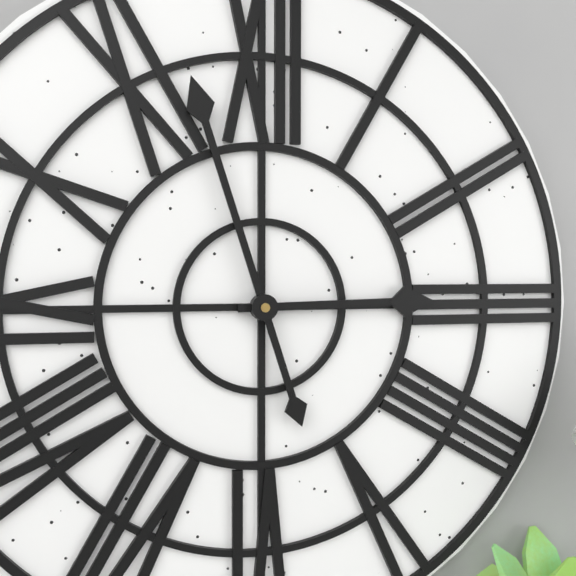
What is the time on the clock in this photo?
2:57
